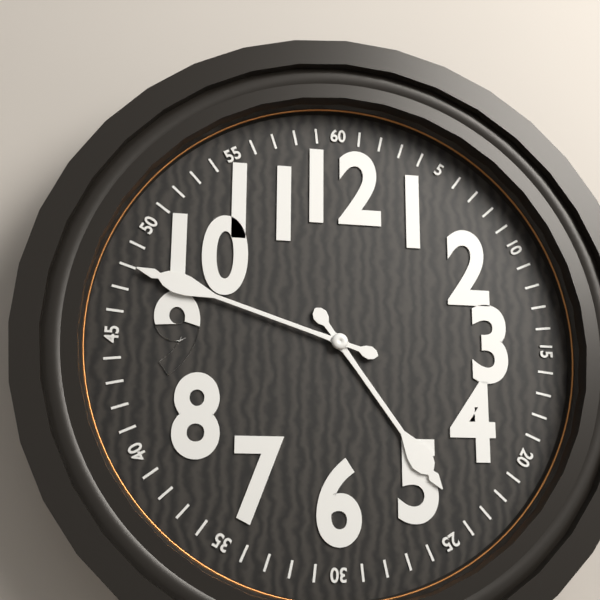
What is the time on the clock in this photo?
4:48
